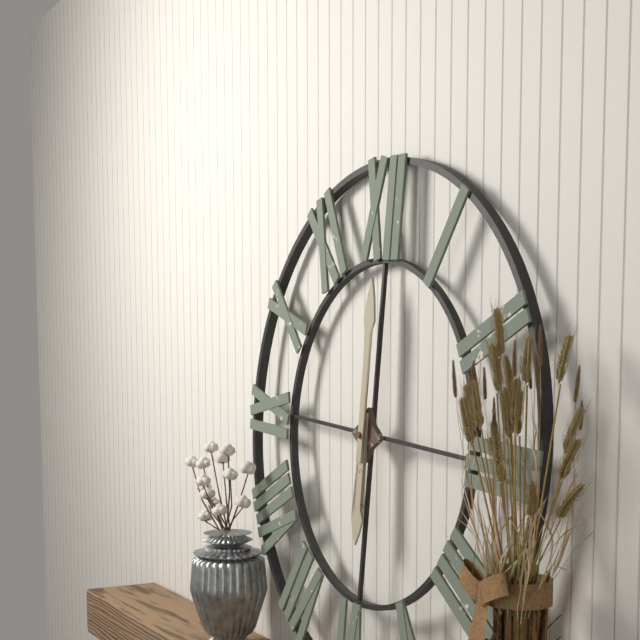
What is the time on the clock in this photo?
6:00
